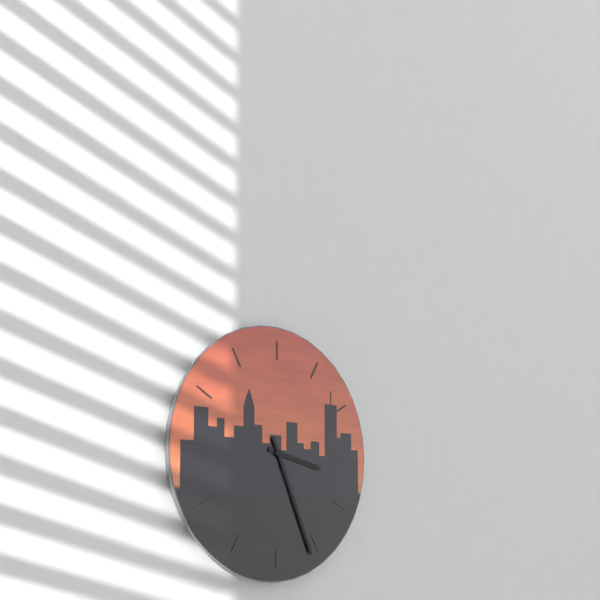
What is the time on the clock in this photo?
3:26
